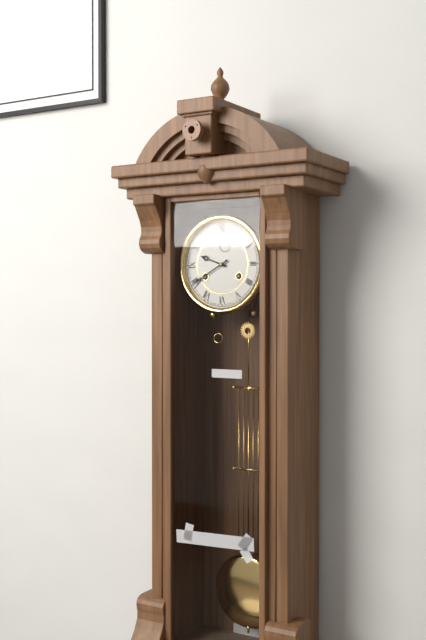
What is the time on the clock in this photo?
9:40
